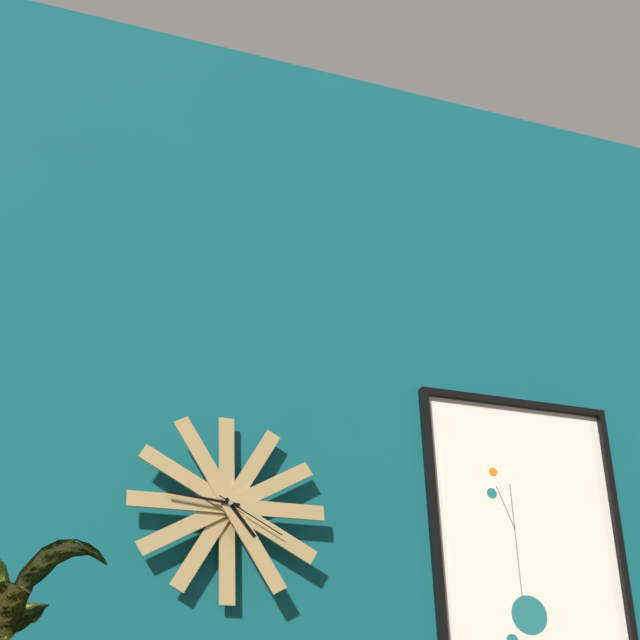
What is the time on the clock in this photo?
4:46:20
